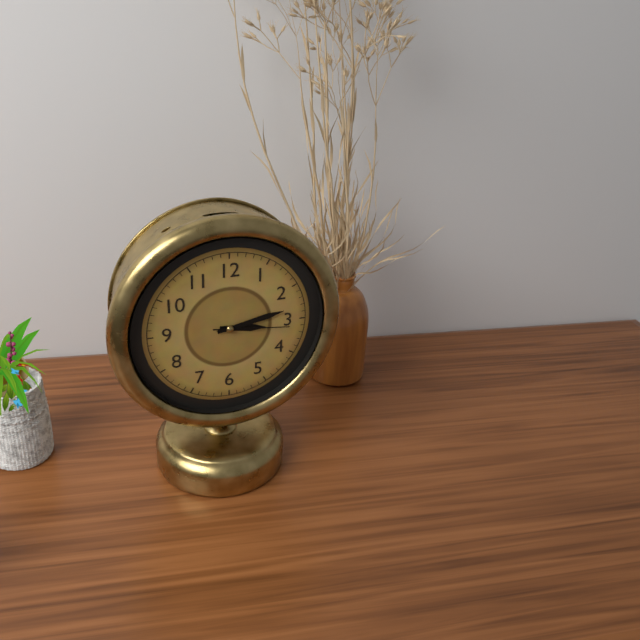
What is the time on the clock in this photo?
3:13:16
